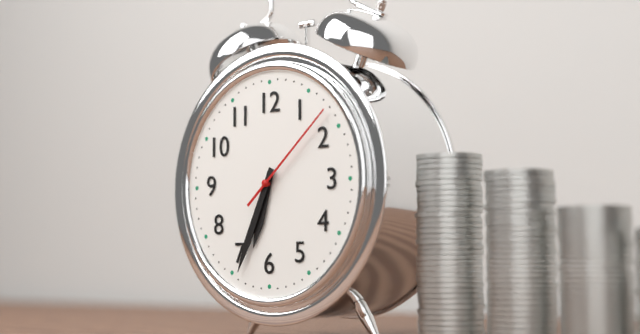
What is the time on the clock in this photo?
6:34:08
